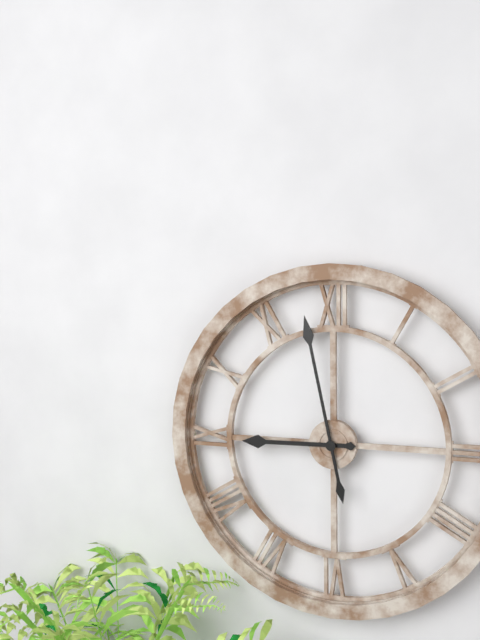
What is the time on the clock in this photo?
8:58
